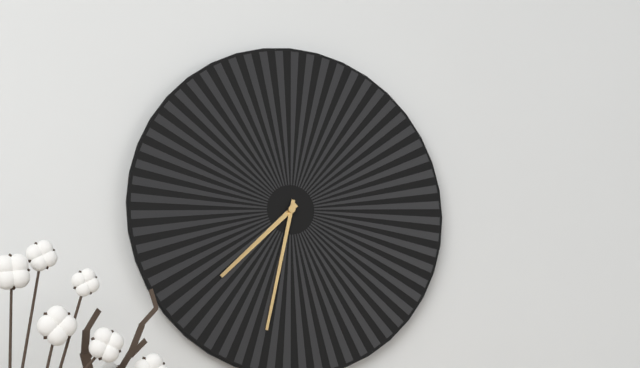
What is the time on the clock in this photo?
7:32
